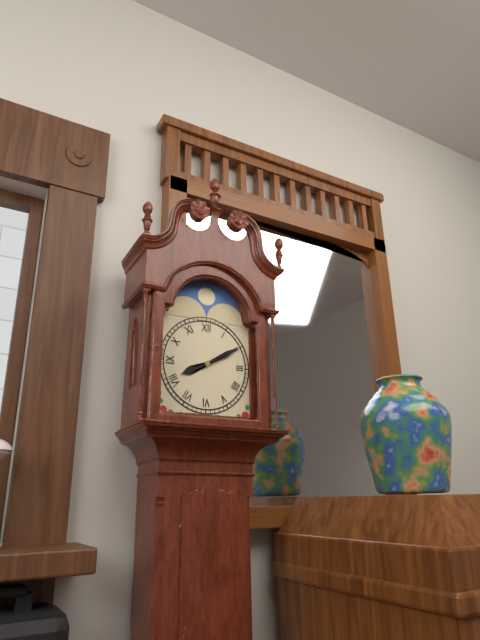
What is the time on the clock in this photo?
8:10
